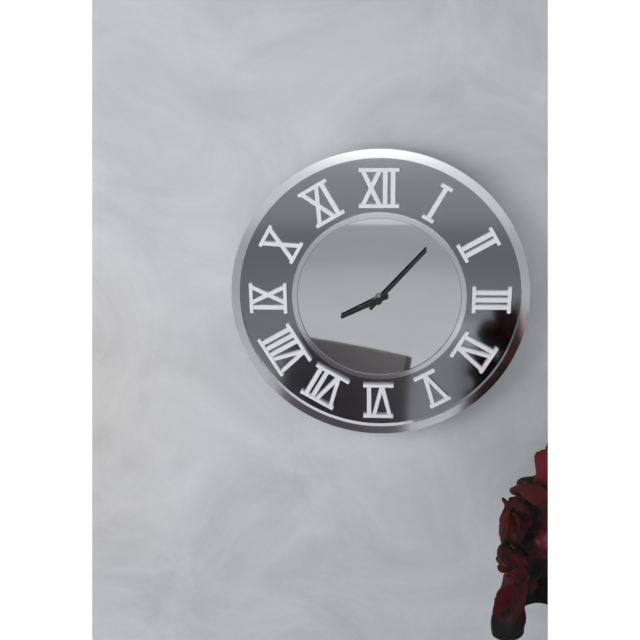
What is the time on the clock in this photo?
8:07
